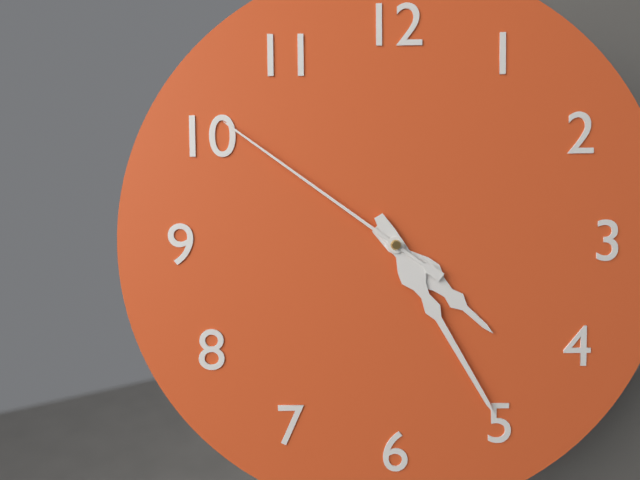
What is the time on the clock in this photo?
4:25:51
